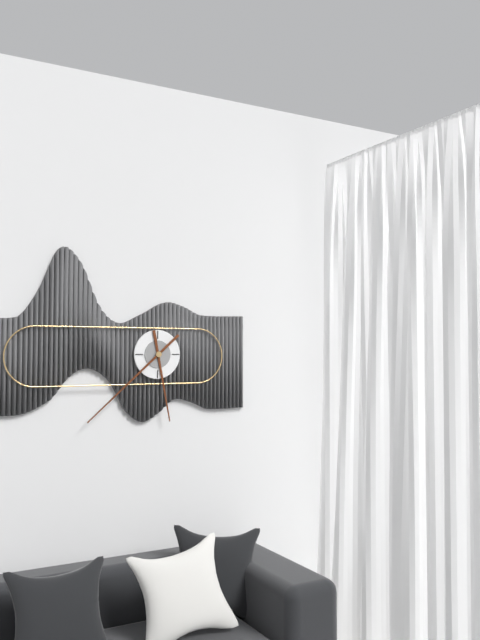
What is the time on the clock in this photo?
5:38
